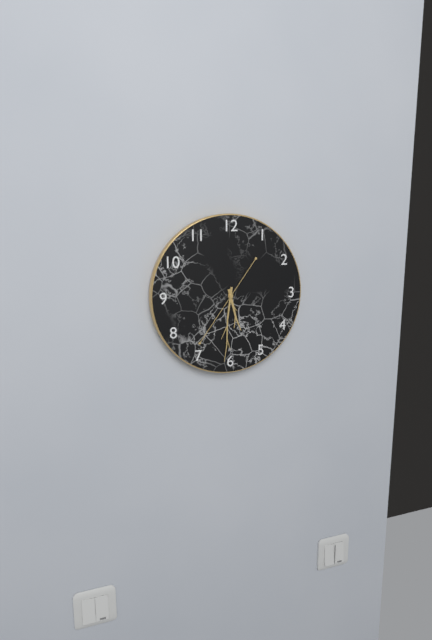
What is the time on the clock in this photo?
5:31:36
